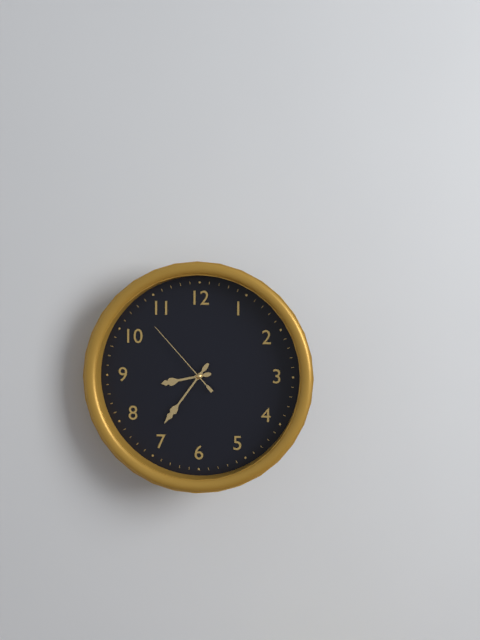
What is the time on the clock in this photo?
8:36:53
